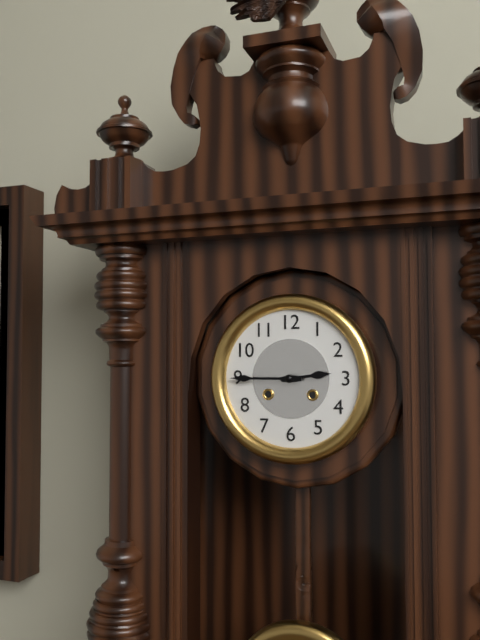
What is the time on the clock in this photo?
2:45
